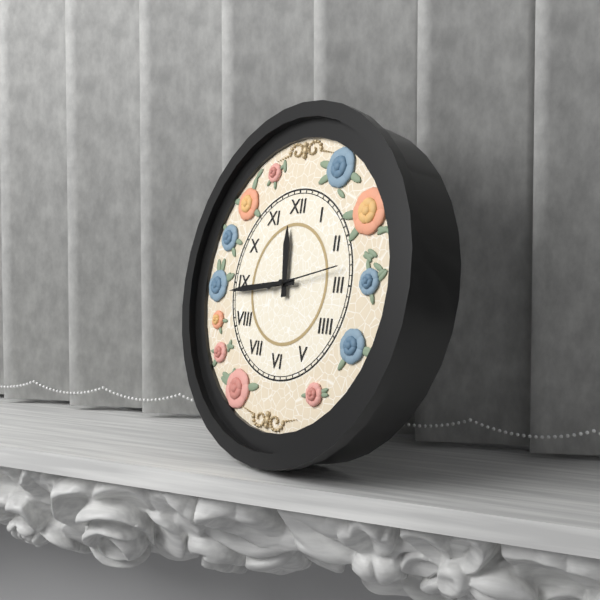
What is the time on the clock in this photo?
11:44:13
